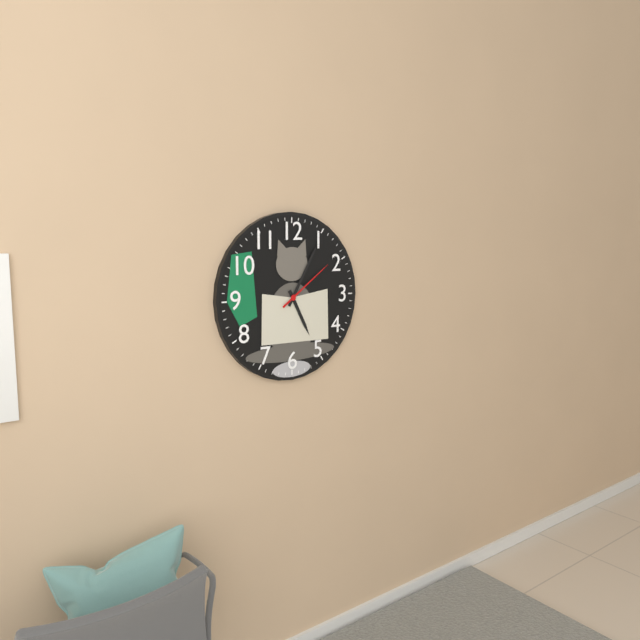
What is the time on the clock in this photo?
5:05:09
